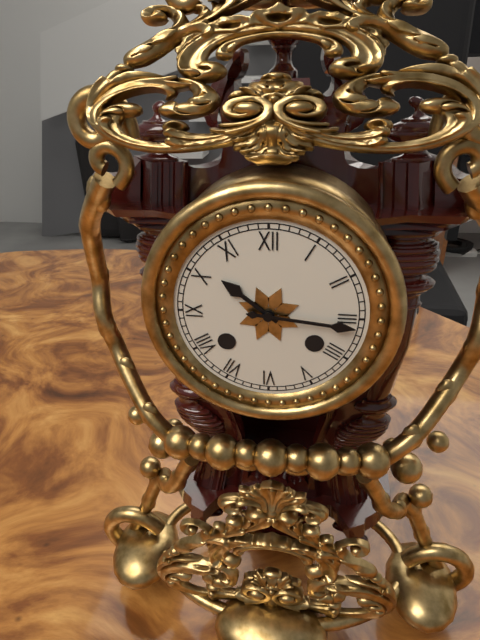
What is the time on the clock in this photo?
10:16
